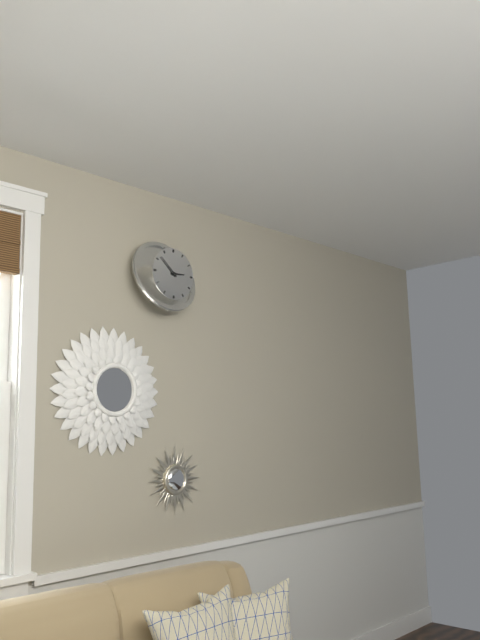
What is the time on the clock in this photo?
2:52
